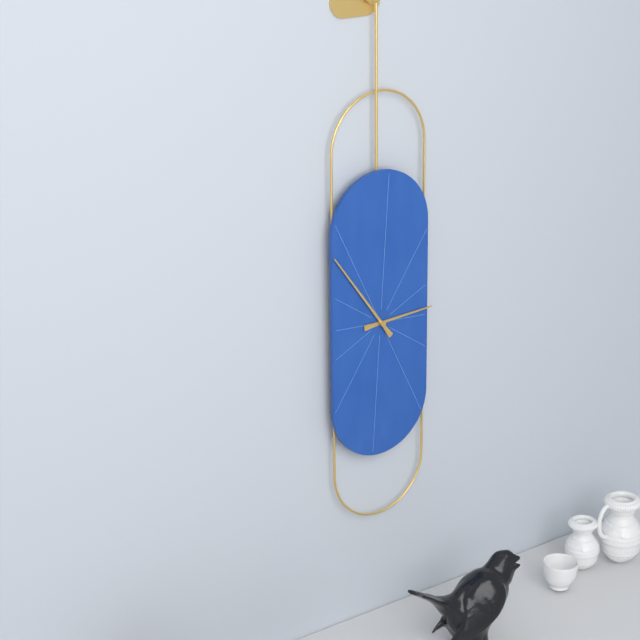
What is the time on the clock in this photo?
2:54
